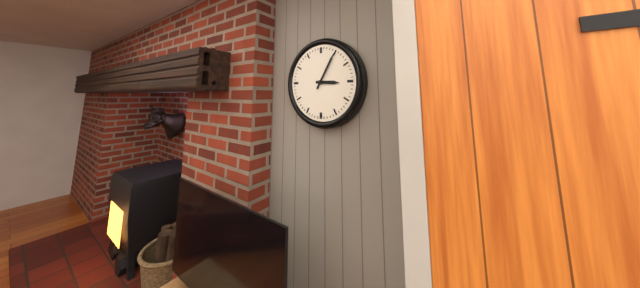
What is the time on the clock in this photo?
3:05
